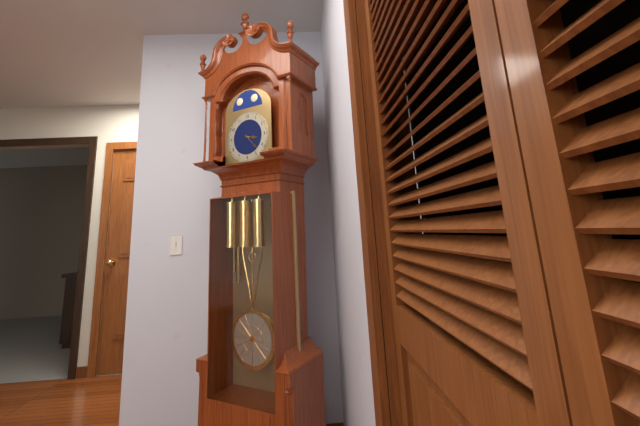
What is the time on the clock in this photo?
3:23
